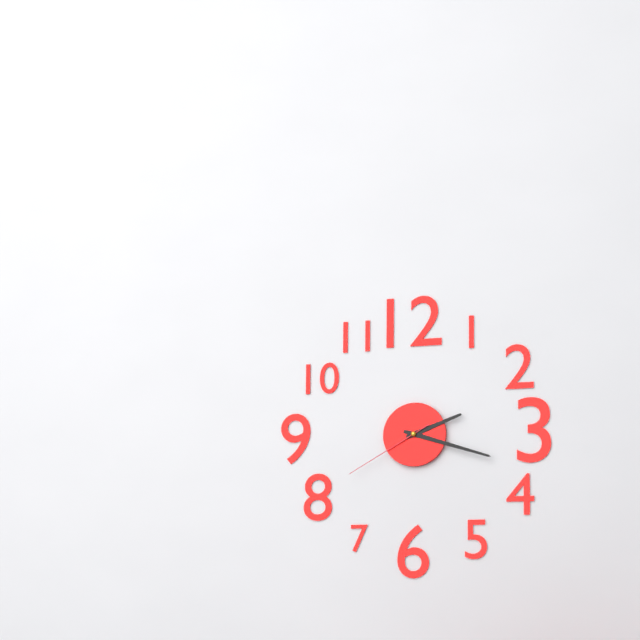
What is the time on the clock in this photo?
2:18:40
